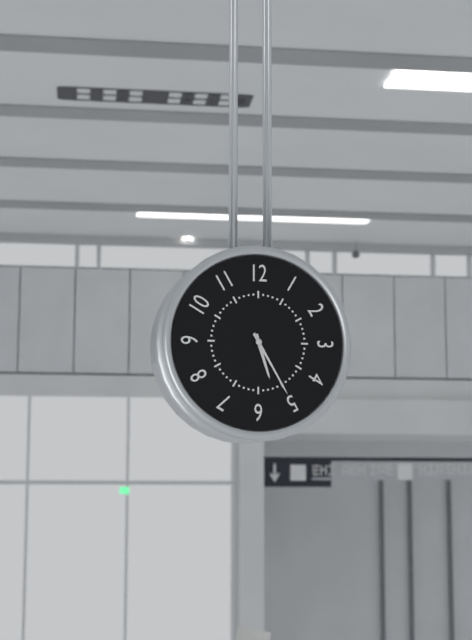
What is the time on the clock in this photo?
5:25
